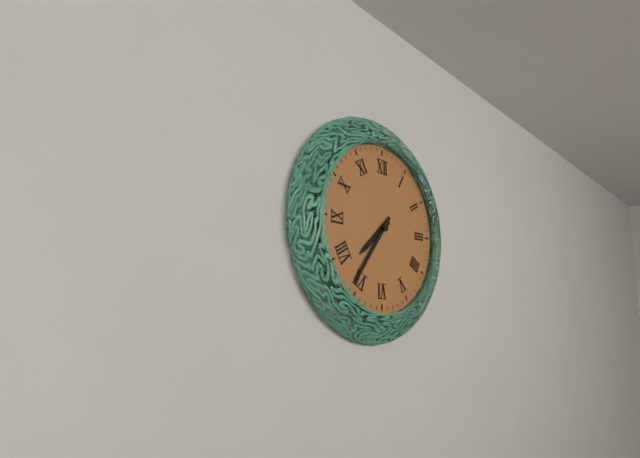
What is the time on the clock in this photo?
7:36
